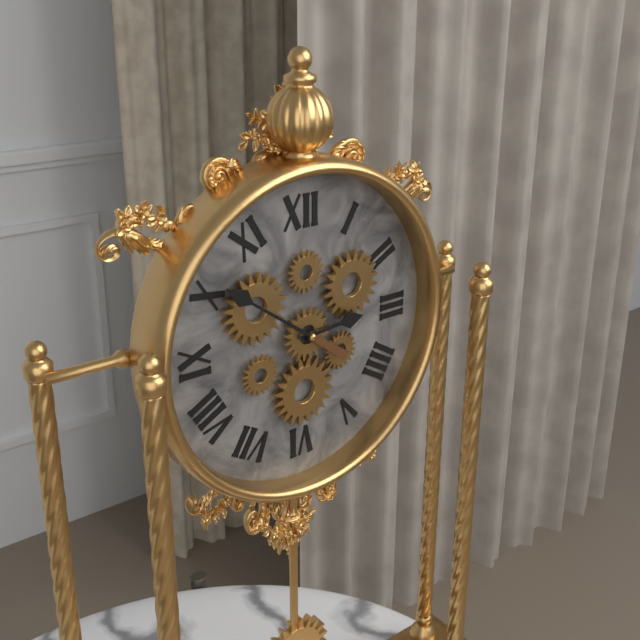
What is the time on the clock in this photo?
2:51
